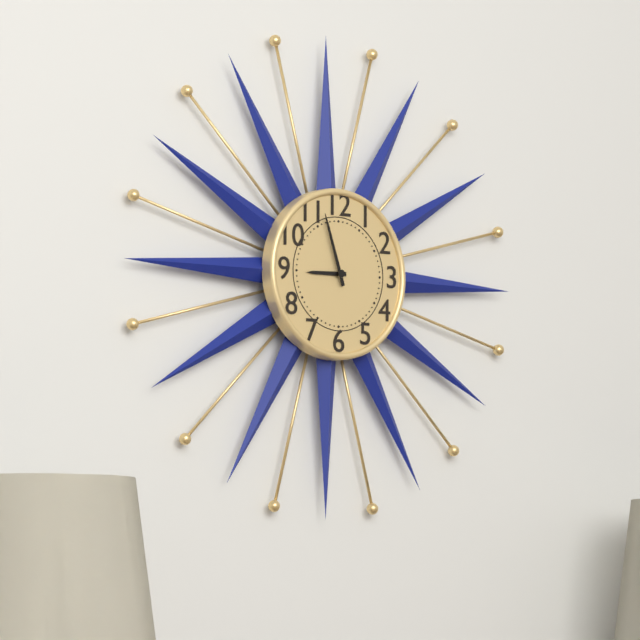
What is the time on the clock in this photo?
8:57
